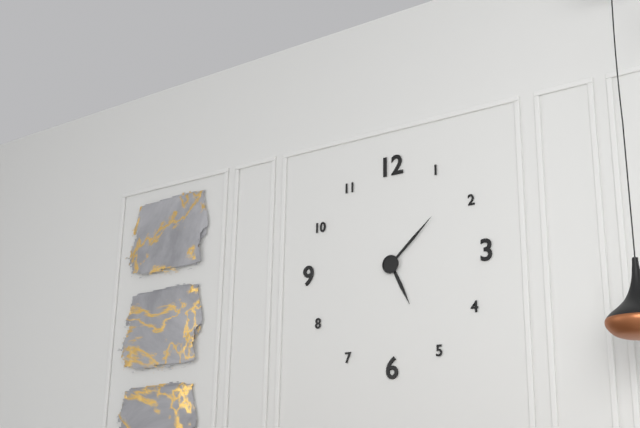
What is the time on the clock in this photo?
5:08
